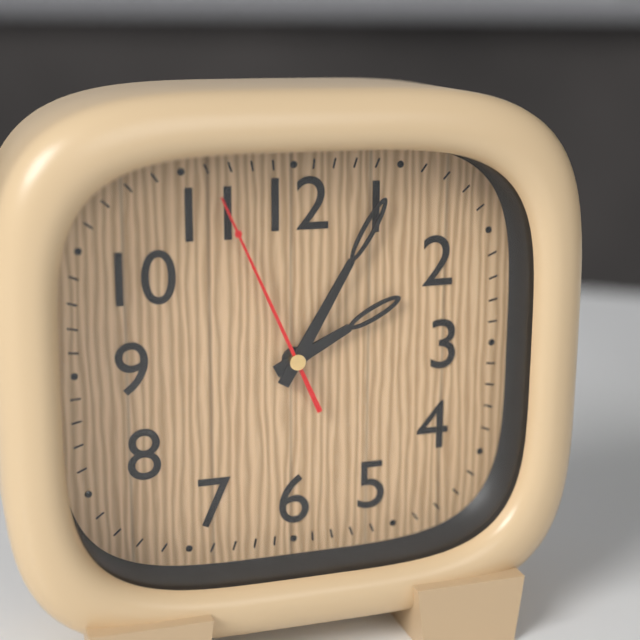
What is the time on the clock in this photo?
2:05:56
